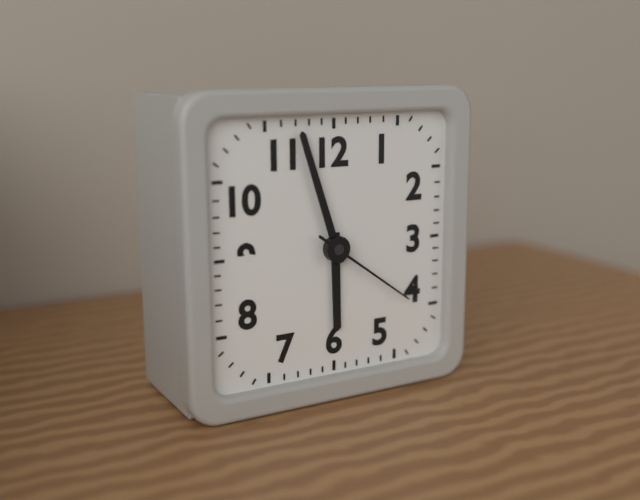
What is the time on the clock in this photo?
5:57:21
